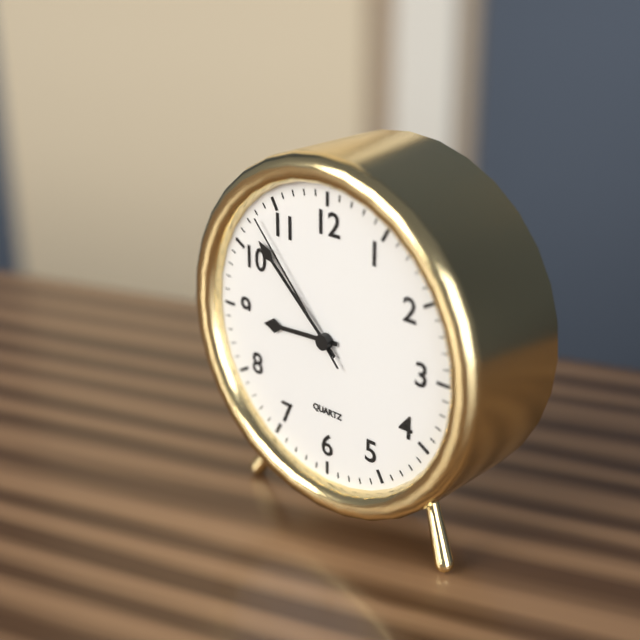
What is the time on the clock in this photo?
8:52:53
